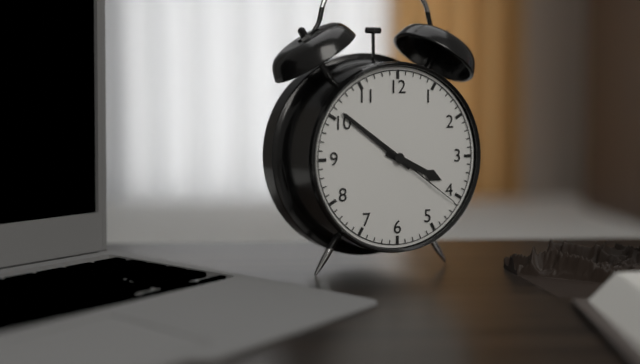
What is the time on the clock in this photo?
3:51:21
